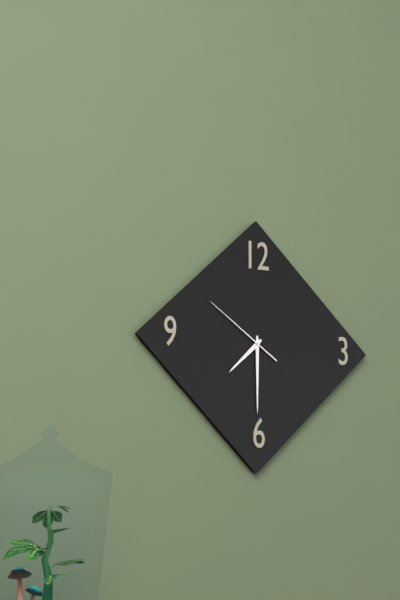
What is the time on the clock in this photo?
7:30:51
